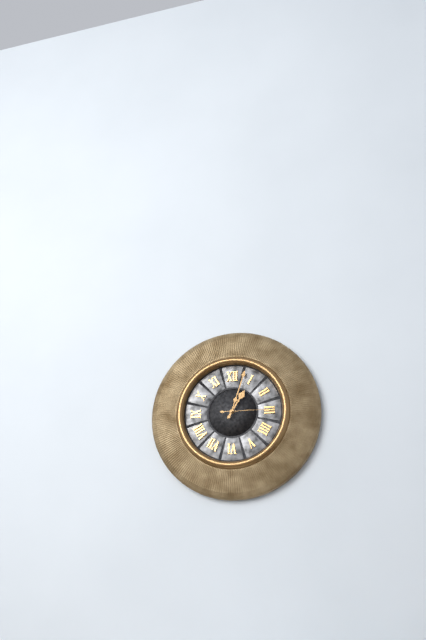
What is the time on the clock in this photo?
1:03:15
